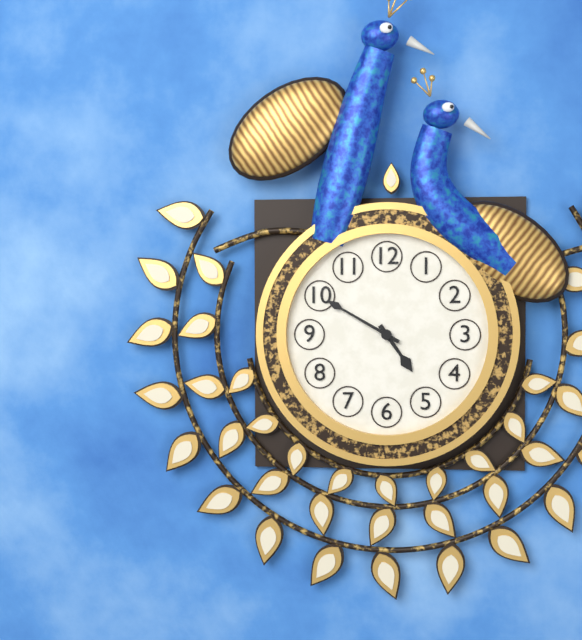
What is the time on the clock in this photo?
4:50
